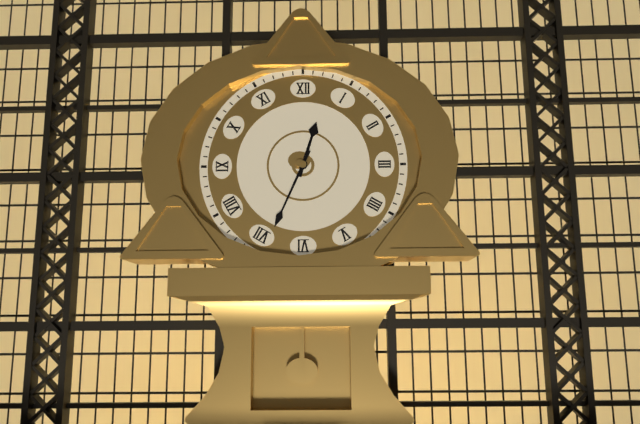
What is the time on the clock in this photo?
12:34
